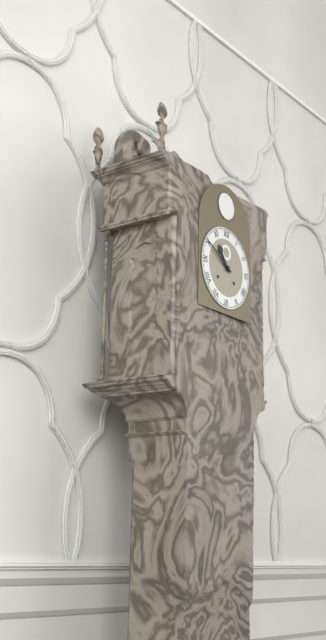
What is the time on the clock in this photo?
10:50
